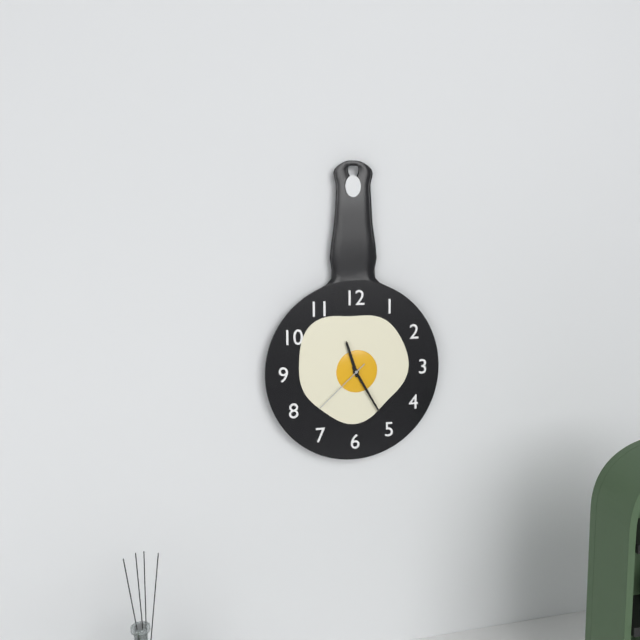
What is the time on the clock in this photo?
11:25:38
